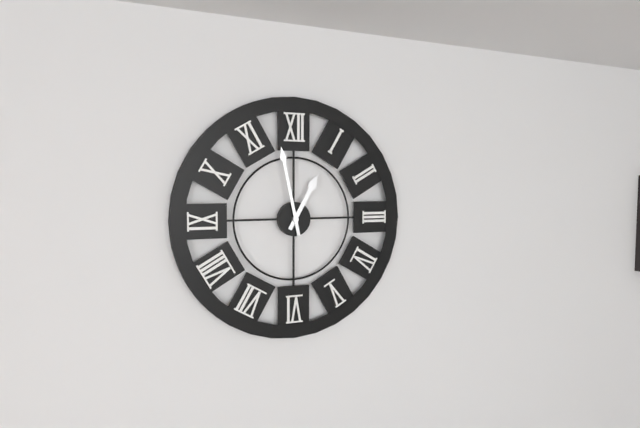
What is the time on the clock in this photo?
12:58
